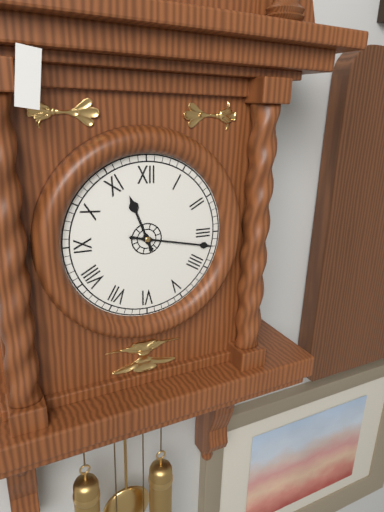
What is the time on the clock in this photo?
11:17
